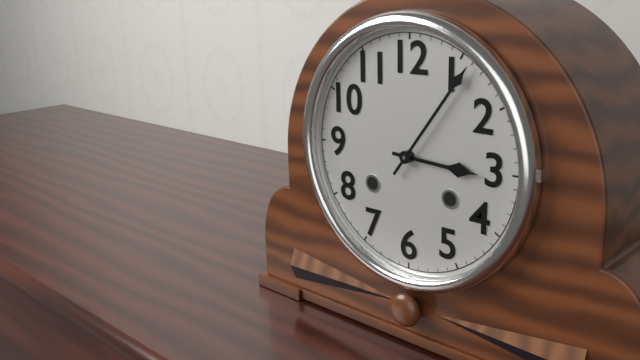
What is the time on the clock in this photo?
3:06
